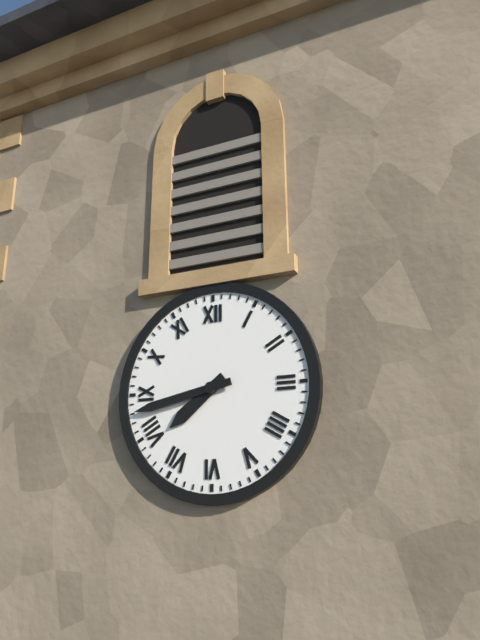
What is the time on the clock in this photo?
7:43
